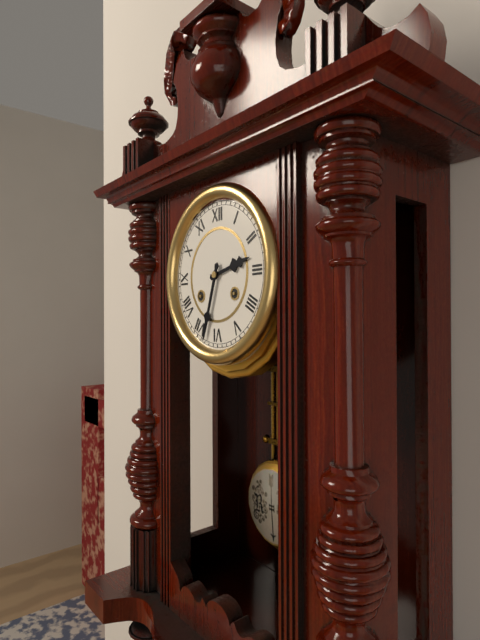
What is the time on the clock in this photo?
2:33
